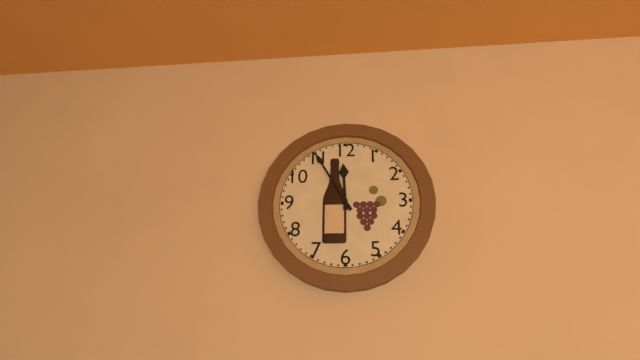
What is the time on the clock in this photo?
11:55
